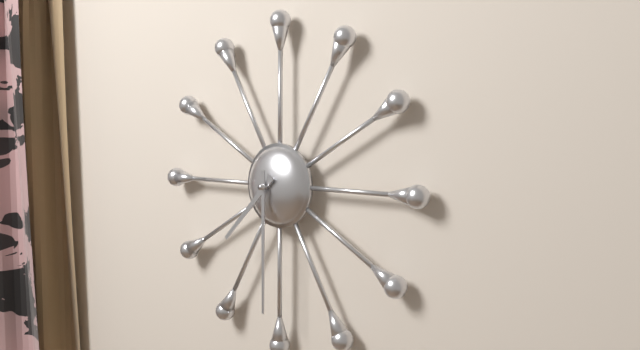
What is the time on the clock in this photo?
7:30
